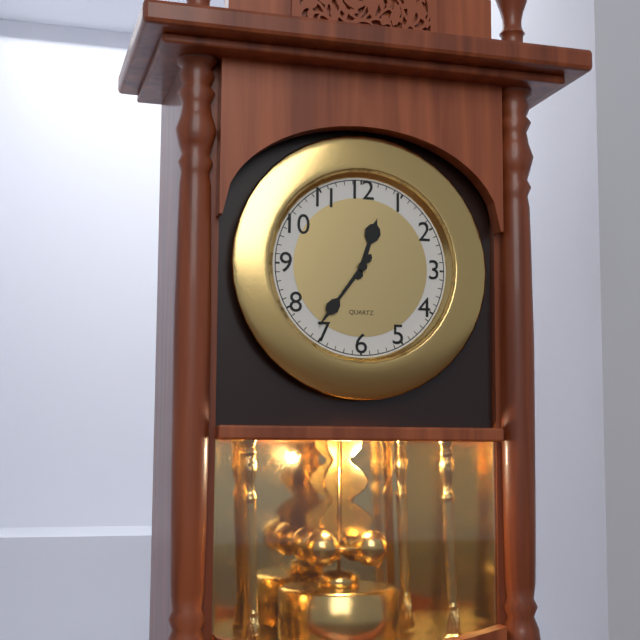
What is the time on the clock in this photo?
12:36
